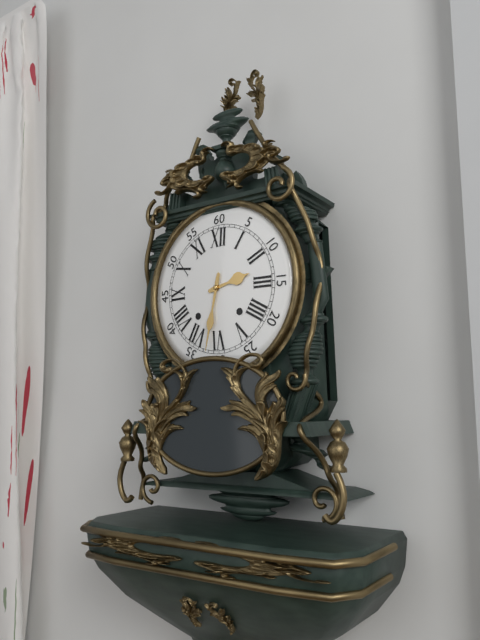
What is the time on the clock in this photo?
2:32
